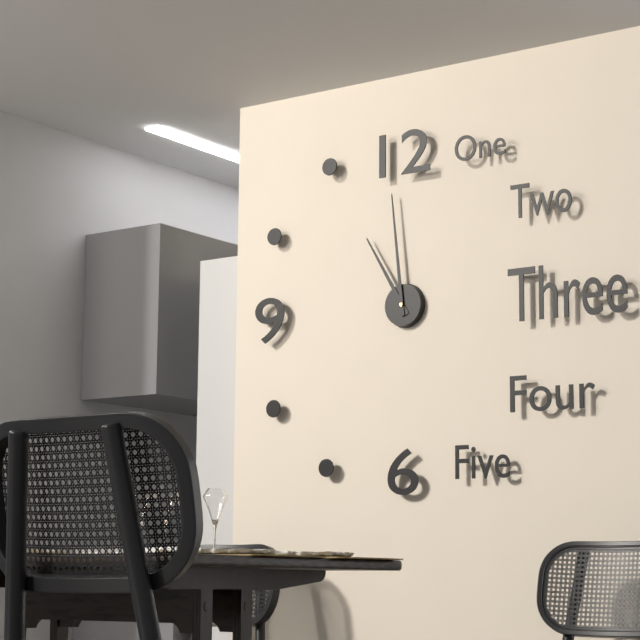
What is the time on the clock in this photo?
10:59
